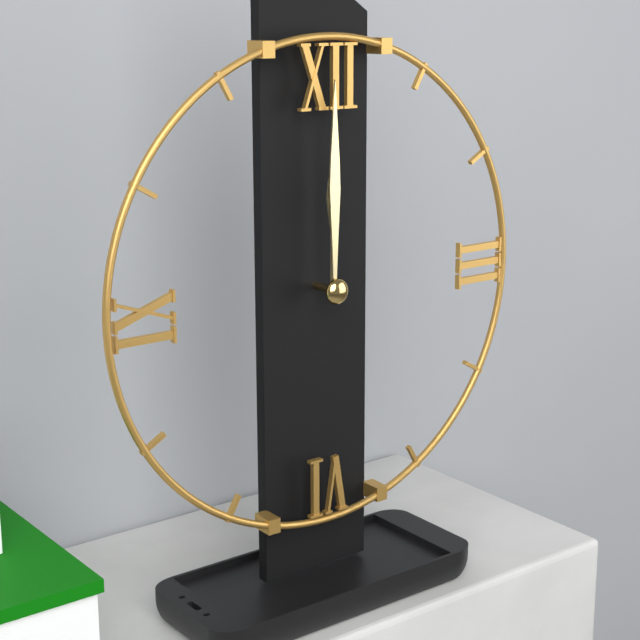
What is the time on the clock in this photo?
12:00
